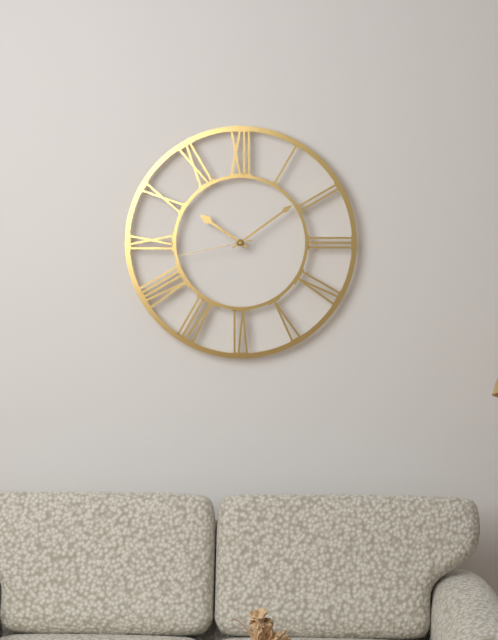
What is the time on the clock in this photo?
10:09:43
